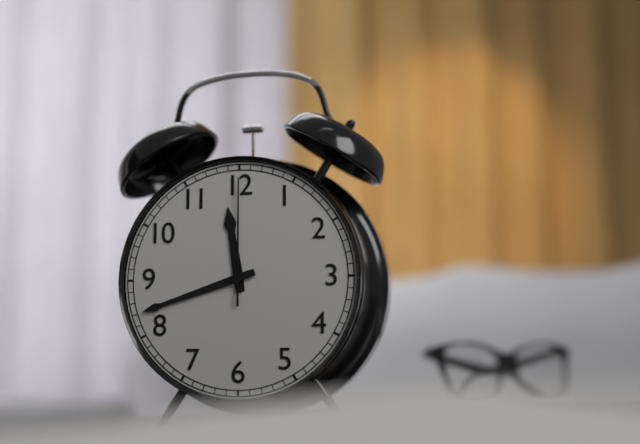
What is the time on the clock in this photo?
11:42:00
